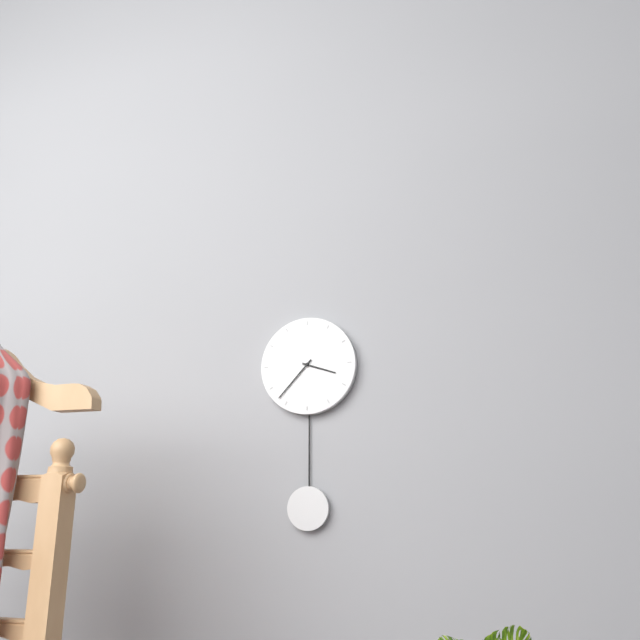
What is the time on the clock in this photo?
3:37
